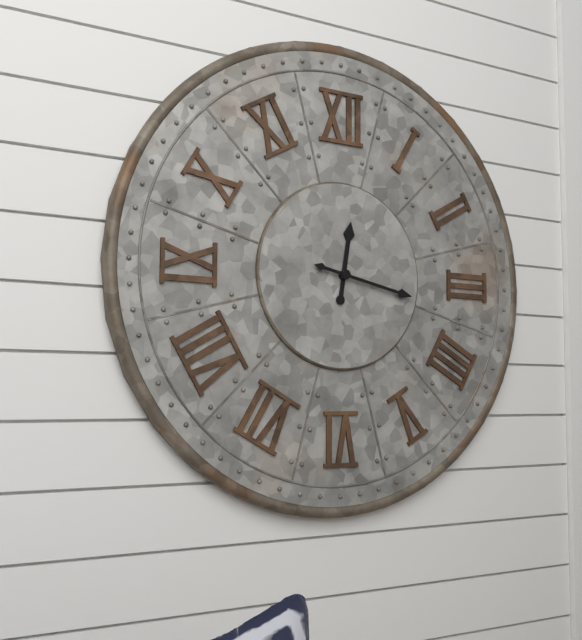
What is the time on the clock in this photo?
12:17
